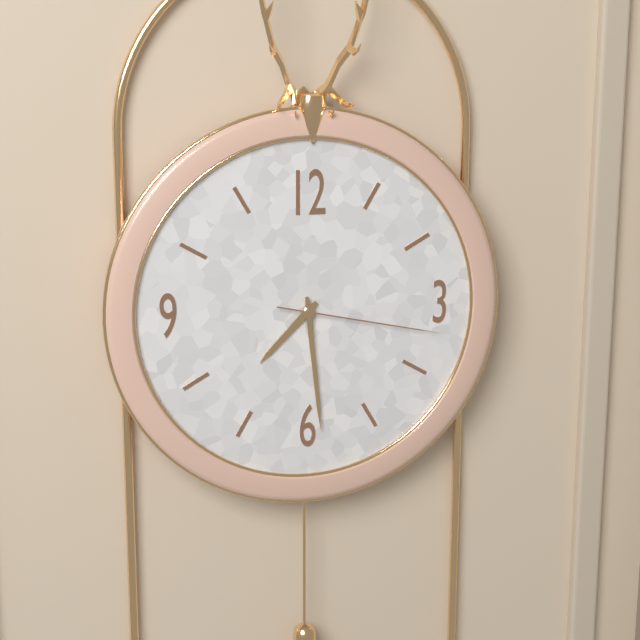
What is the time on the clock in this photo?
7:29:17
